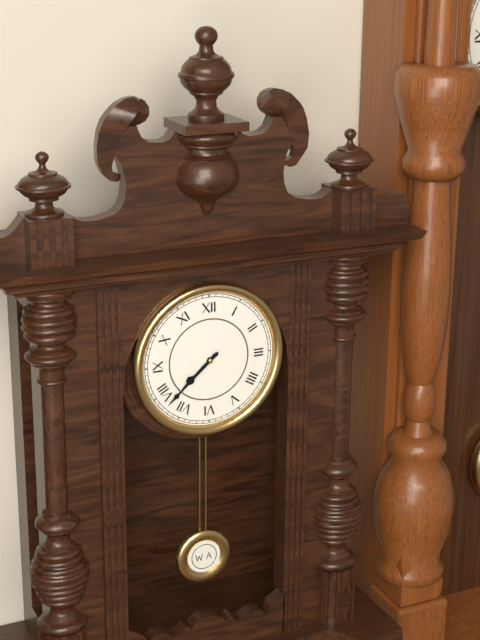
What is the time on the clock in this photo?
7:38
